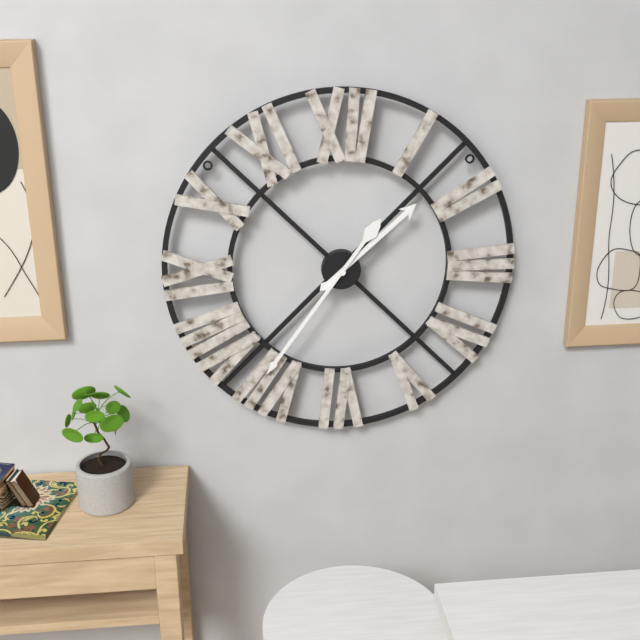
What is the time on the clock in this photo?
1:36
